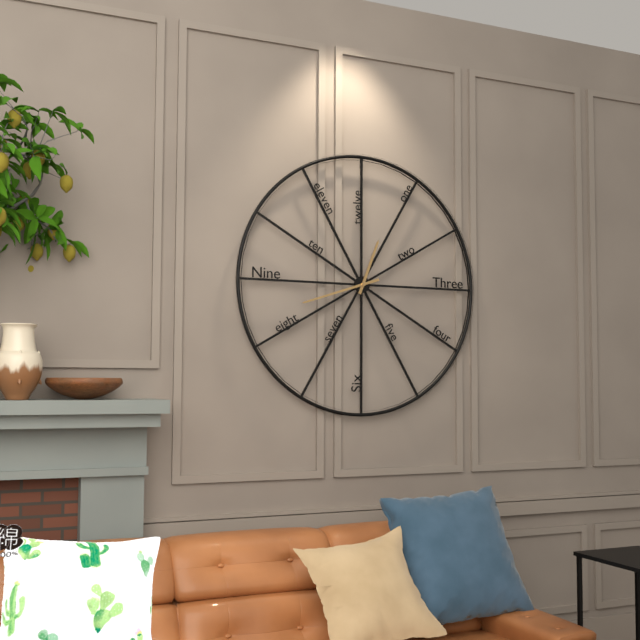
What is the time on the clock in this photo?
12:42
